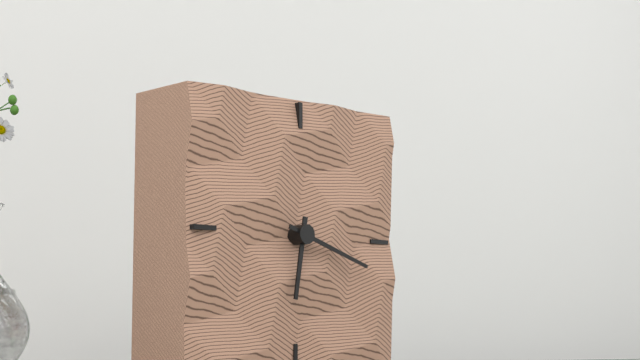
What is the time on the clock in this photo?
6:18
